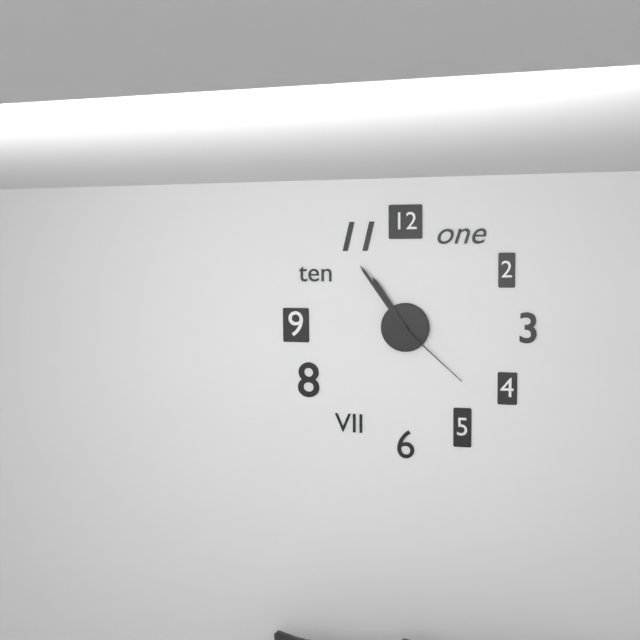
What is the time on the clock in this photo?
10:54:22
